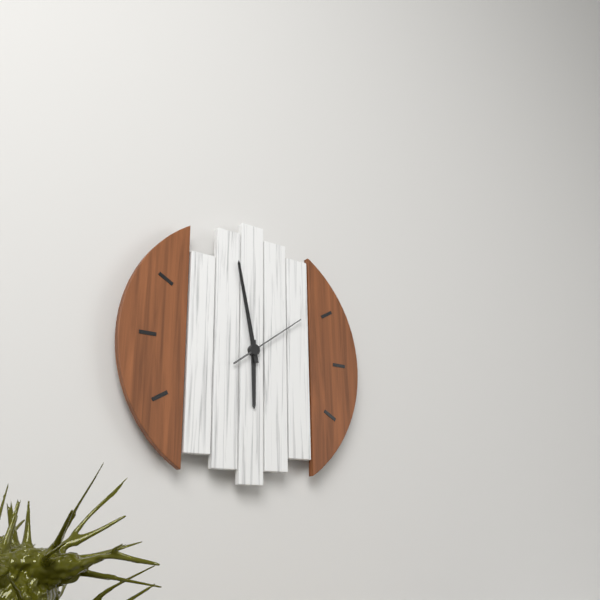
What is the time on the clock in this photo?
5:58:09
